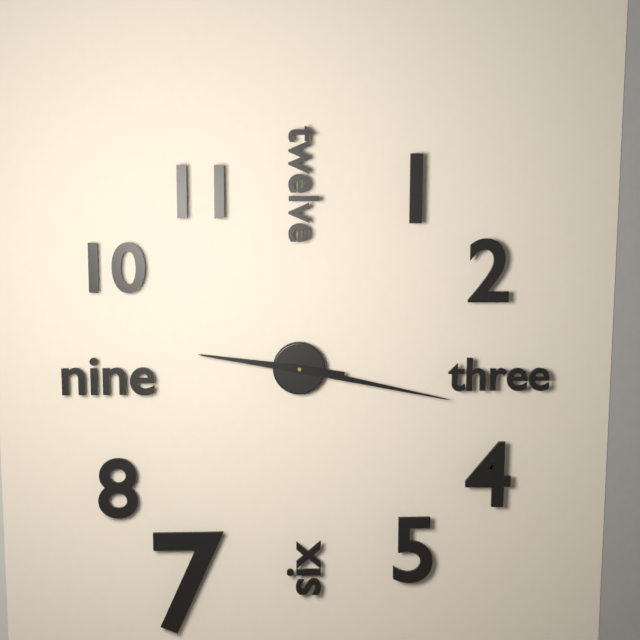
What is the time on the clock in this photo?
9:17
